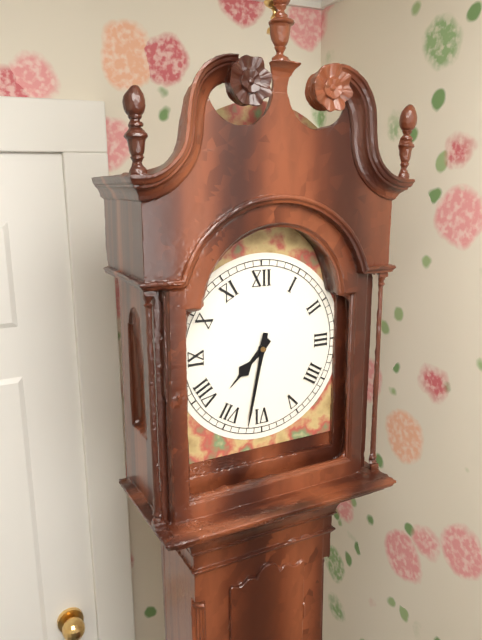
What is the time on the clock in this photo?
7:32
